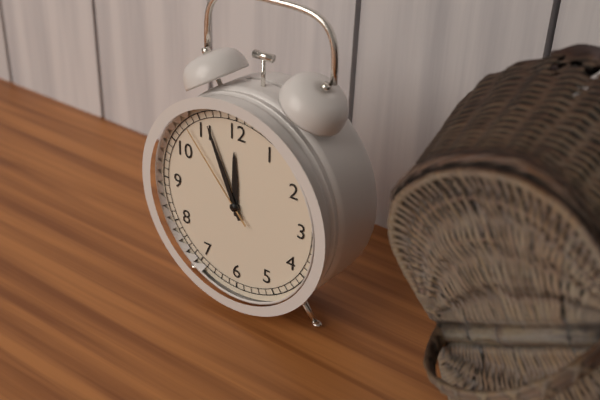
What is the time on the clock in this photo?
11:56:53
